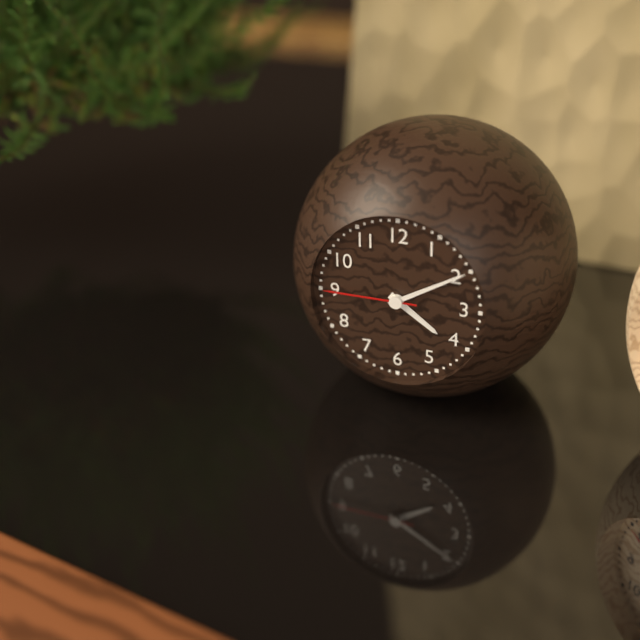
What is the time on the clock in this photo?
4:10:45
